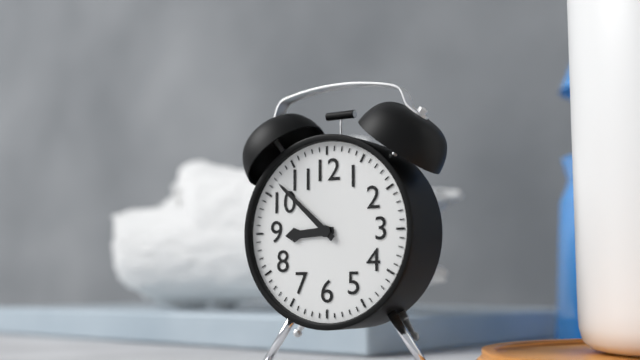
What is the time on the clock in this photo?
8:52
